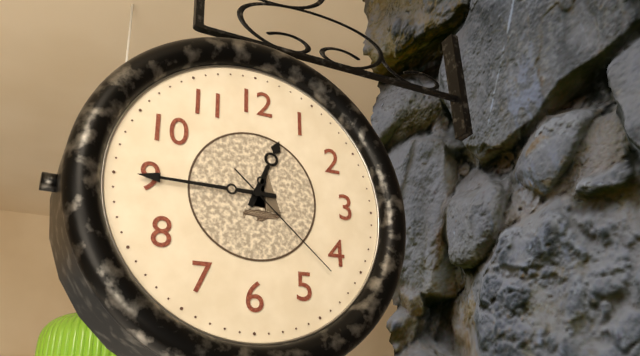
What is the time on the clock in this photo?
12:45:22
